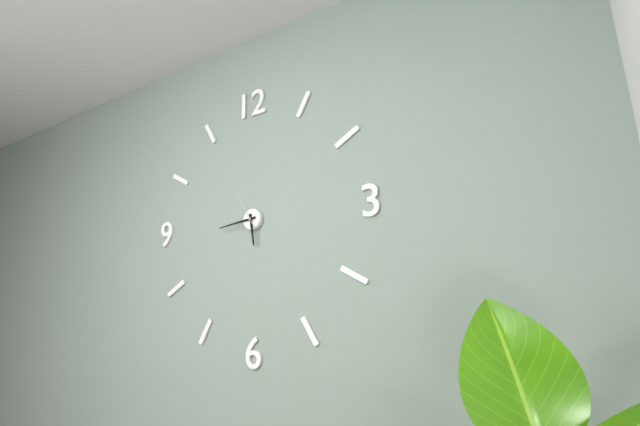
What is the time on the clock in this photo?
5:44
